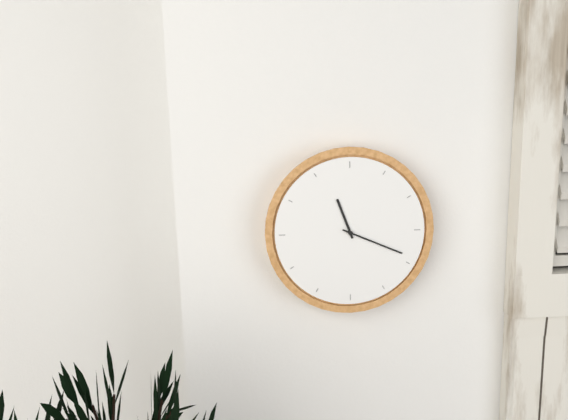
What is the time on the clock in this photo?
11:19
